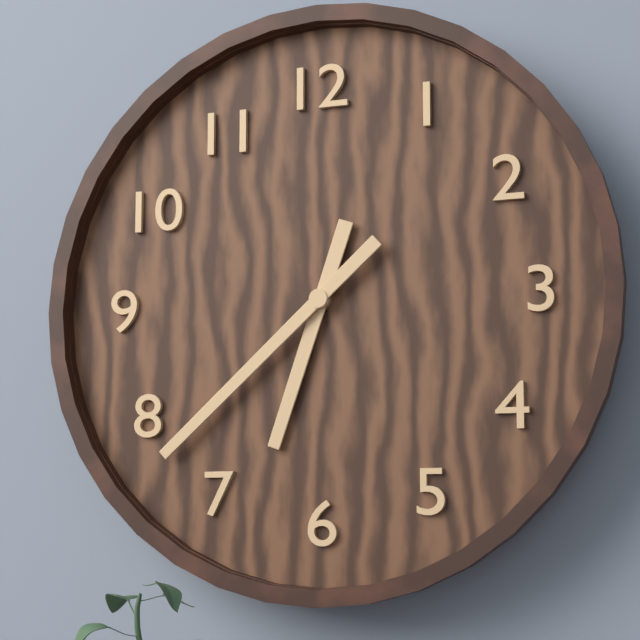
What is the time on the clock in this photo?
6:38
